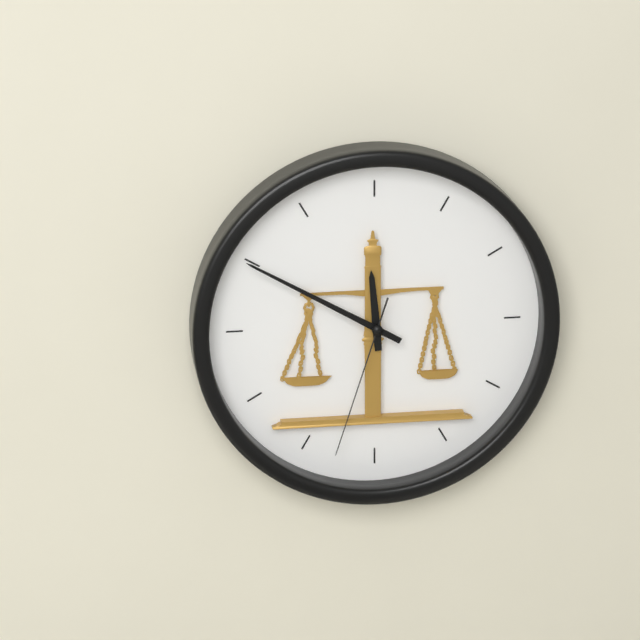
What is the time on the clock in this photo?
11:50:33
